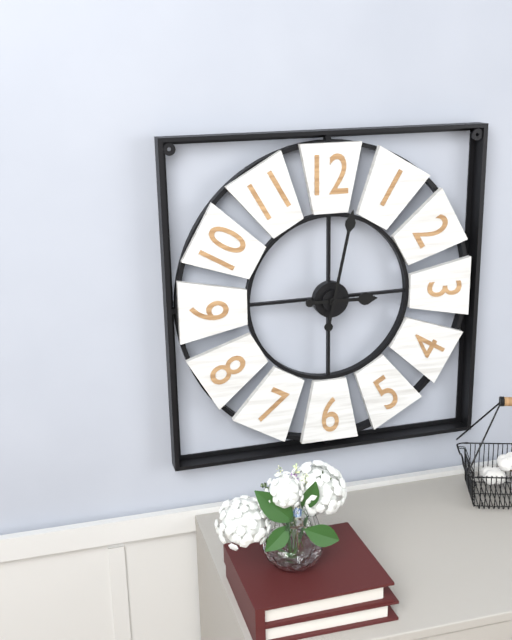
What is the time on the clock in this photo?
3:02
